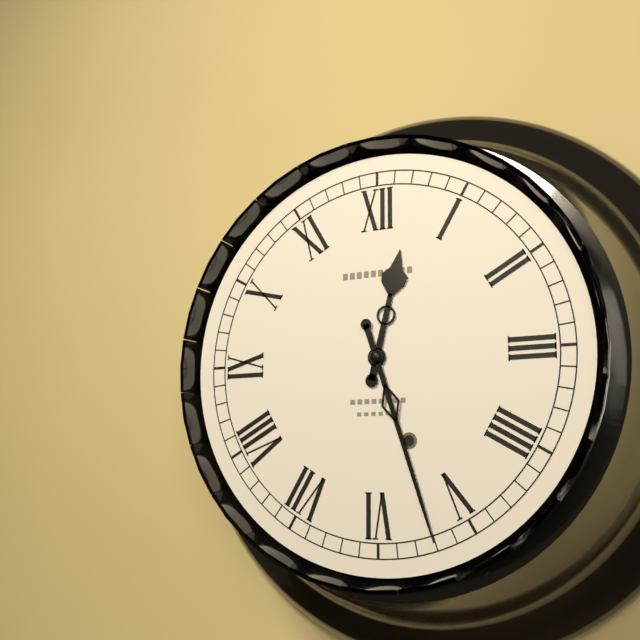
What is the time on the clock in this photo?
12:27
